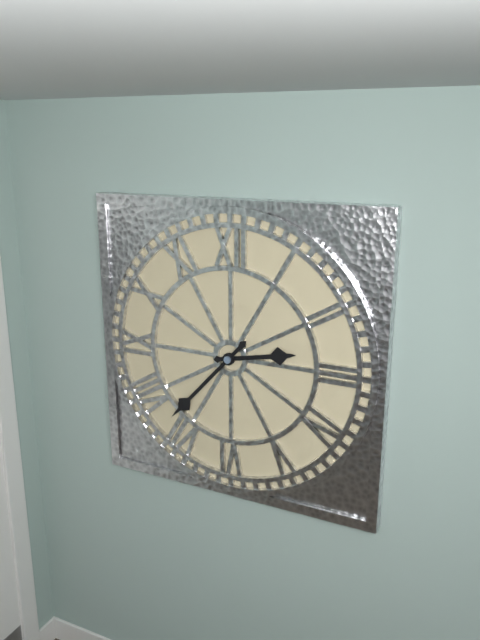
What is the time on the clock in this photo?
2:37
